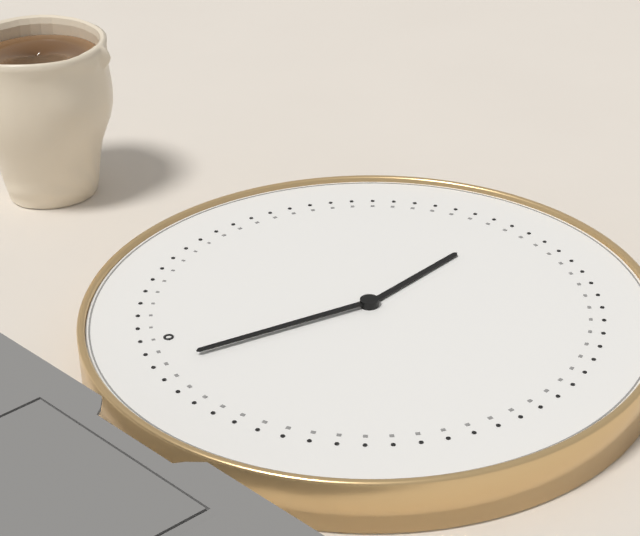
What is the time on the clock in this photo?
4:58
